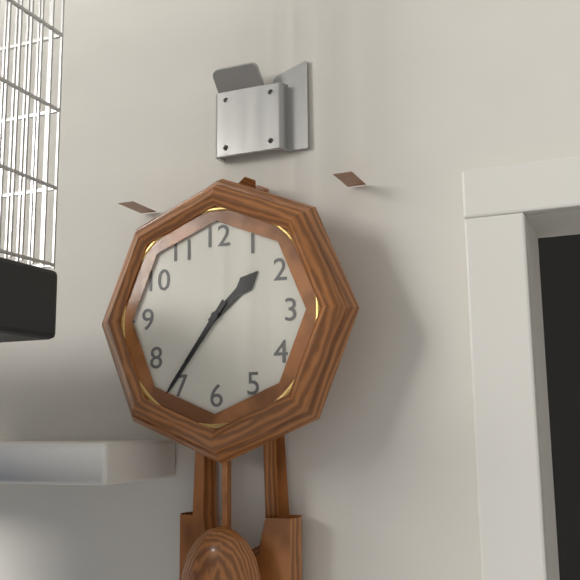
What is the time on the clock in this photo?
1:36
